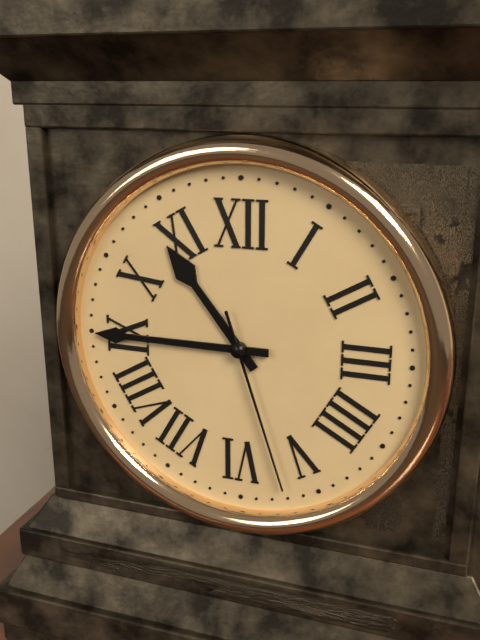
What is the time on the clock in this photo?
10:45:27
